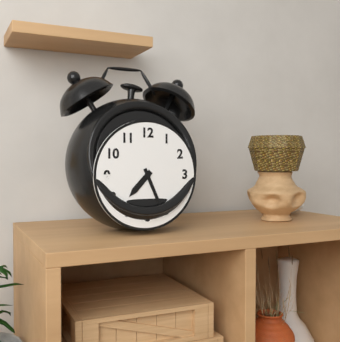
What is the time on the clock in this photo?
7:26
